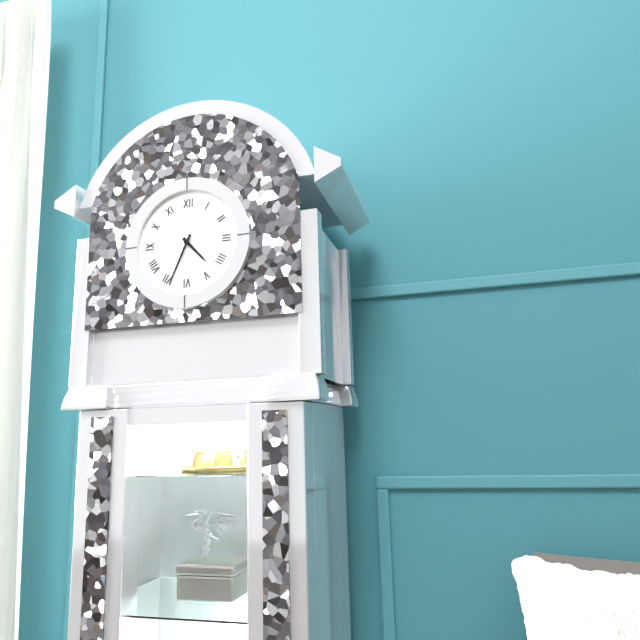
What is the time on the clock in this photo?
4:34
